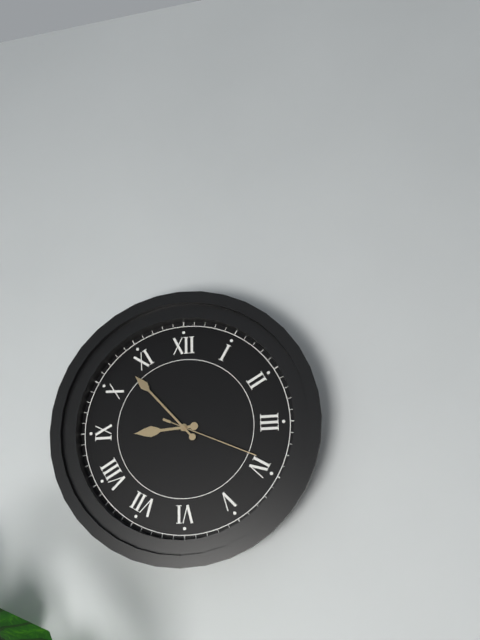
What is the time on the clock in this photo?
8:53:19
